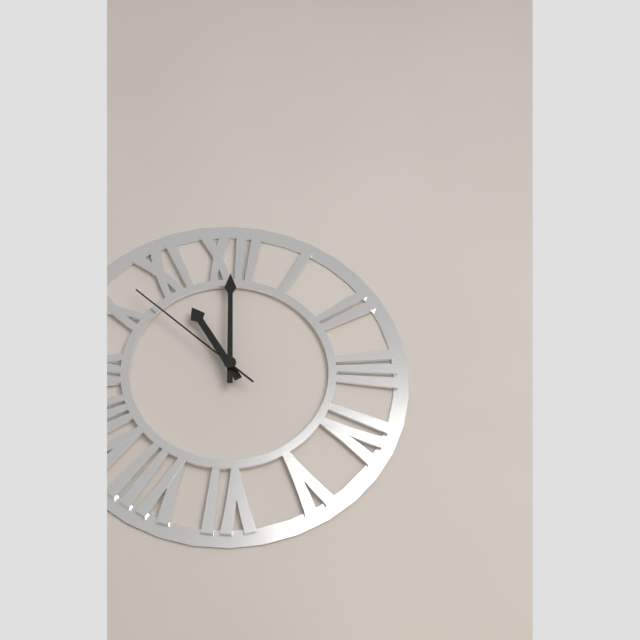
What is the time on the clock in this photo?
11:00:52
